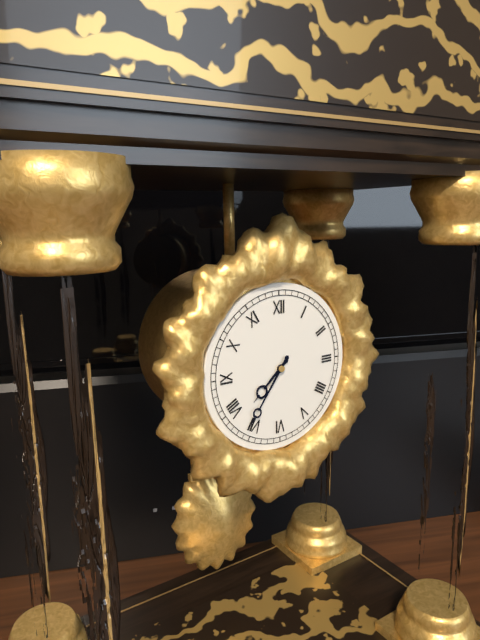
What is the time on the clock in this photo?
7:36
